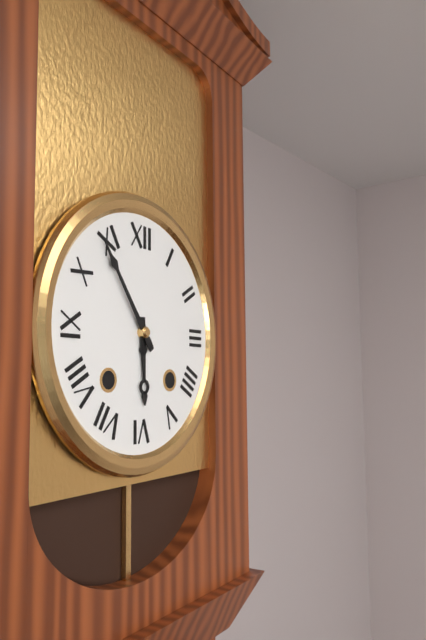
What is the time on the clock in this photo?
5:54
